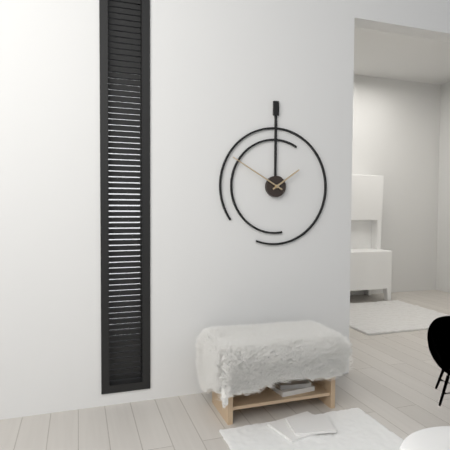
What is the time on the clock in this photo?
1:50
